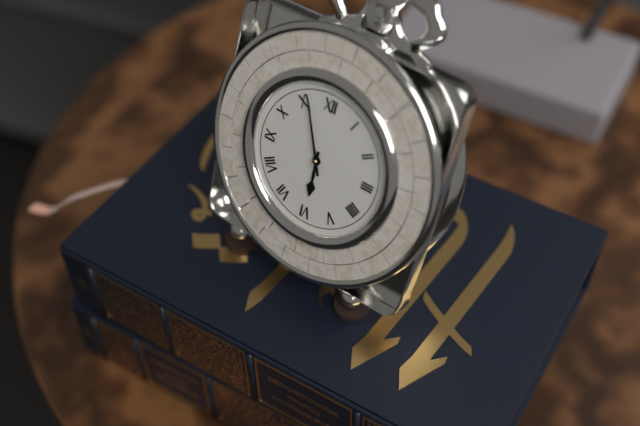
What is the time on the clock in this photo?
5:56
